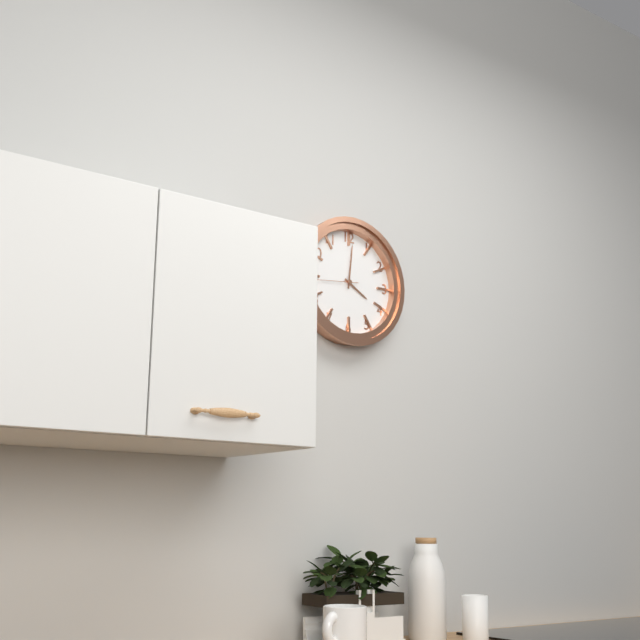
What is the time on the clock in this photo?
4:01:44
